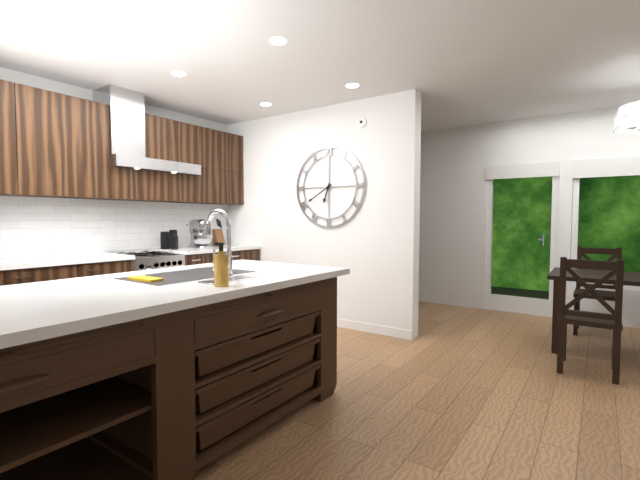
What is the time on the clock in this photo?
6:40
